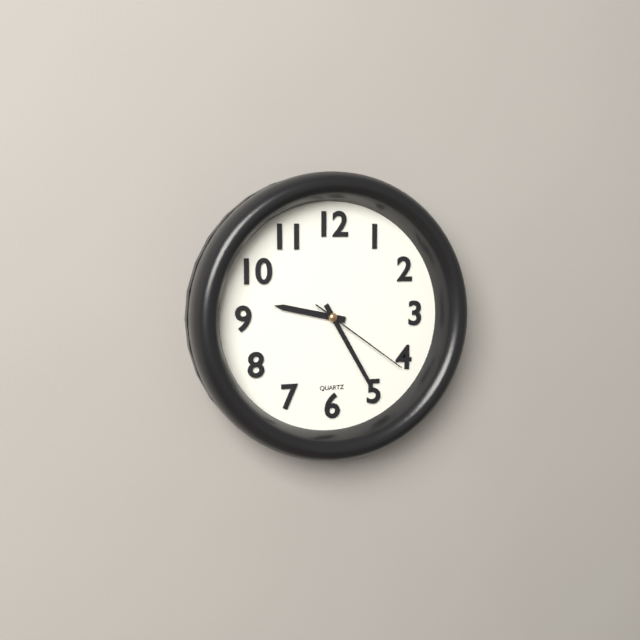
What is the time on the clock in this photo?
9:25:21
